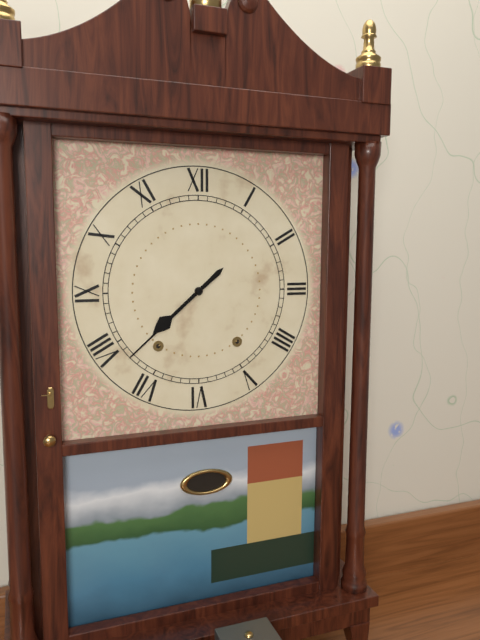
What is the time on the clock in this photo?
7:38
